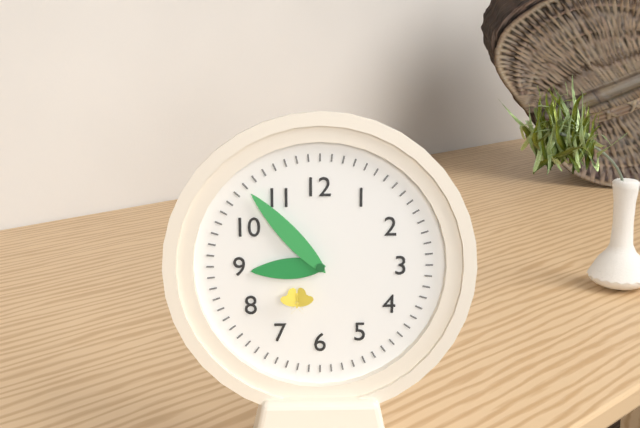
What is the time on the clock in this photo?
8:53
